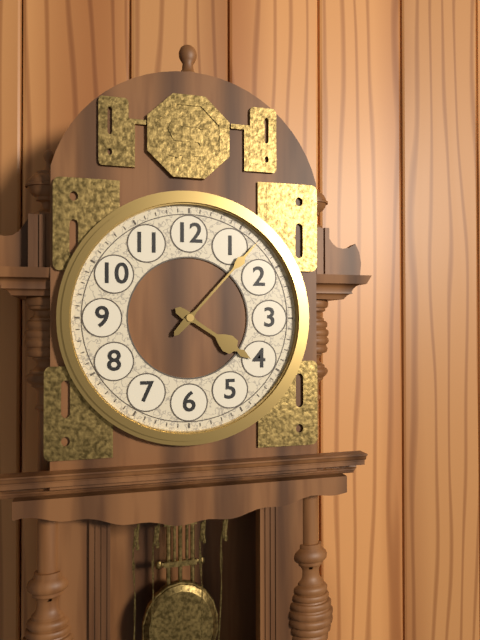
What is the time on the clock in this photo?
4:07
